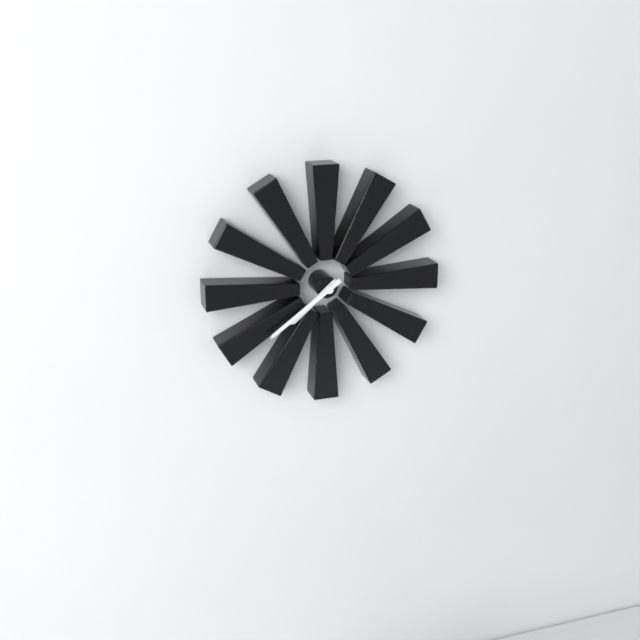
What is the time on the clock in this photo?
7:39
